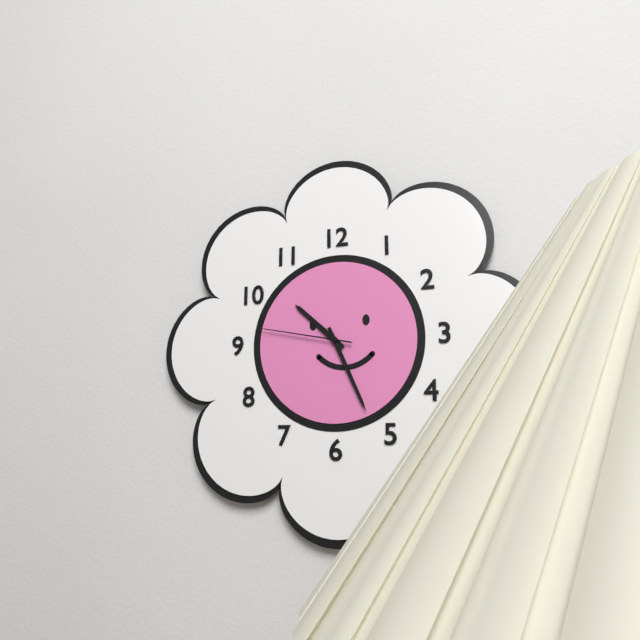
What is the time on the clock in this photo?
10:26:47
